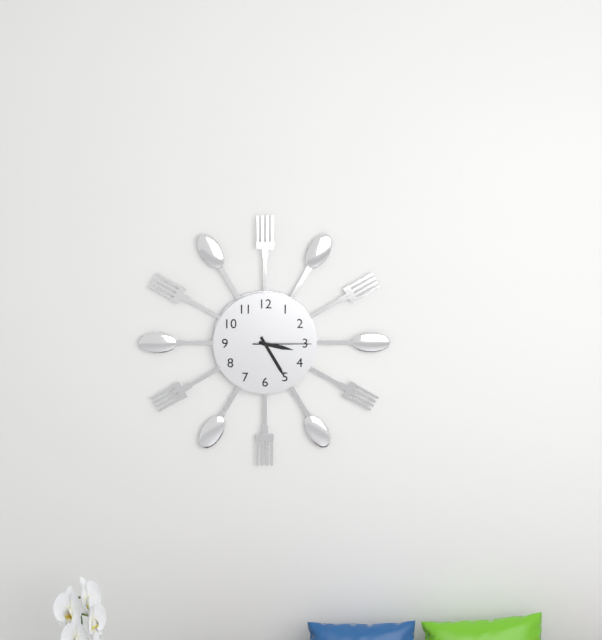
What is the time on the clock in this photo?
3:25:15
